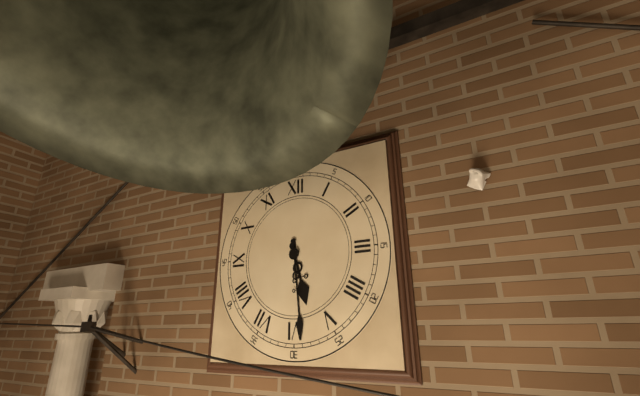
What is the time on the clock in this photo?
5:29
